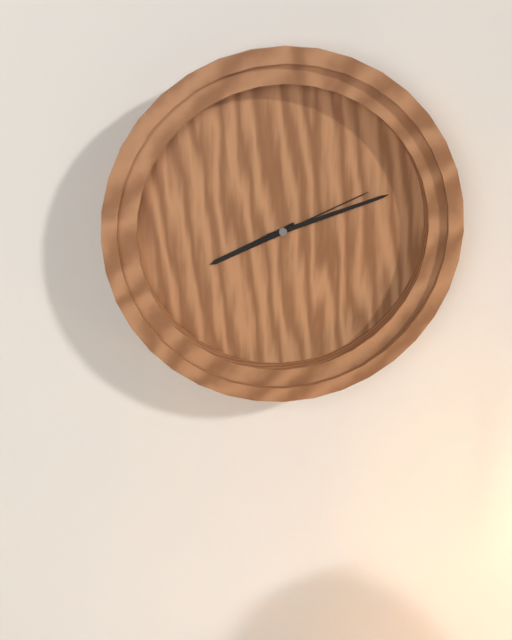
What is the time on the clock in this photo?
8:12:11
